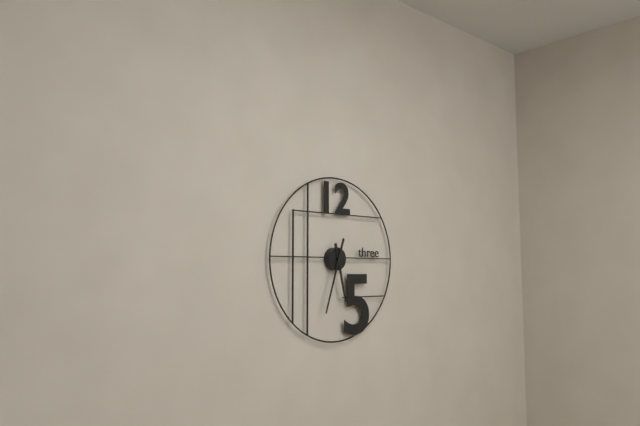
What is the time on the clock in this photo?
5:33
